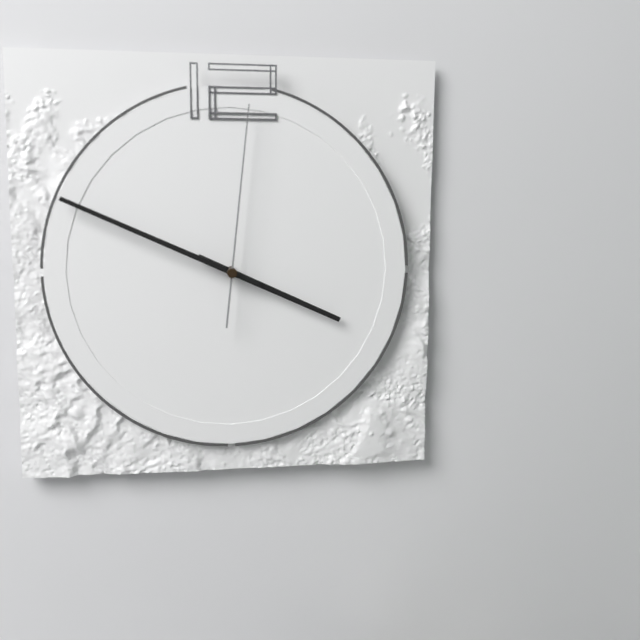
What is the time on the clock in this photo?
3:49:01
